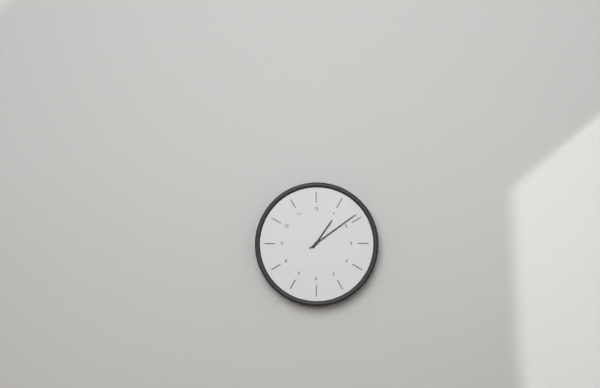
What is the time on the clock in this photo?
1:09
